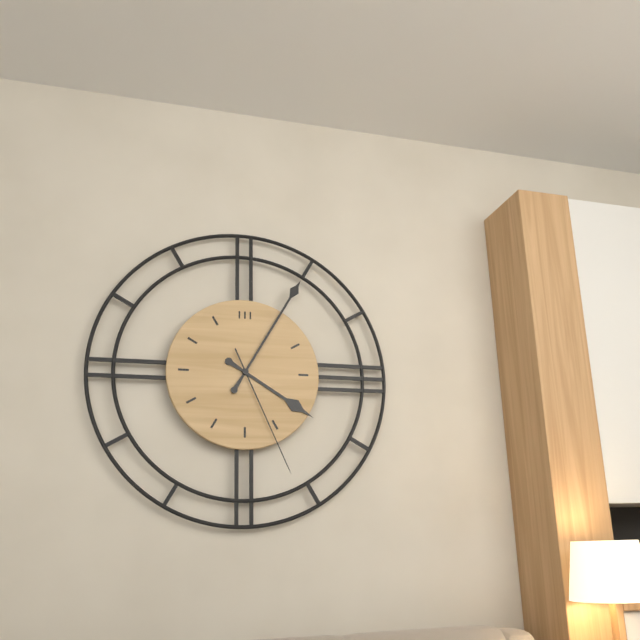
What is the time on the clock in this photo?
4:05:26
